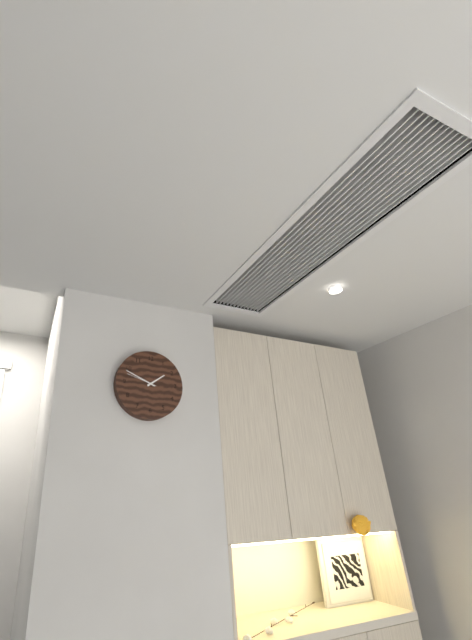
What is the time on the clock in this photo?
1:49
